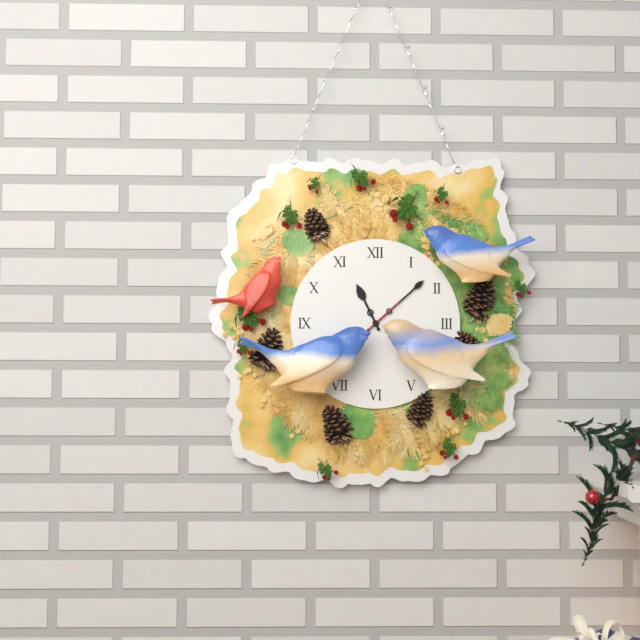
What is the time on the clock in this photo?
11:08
